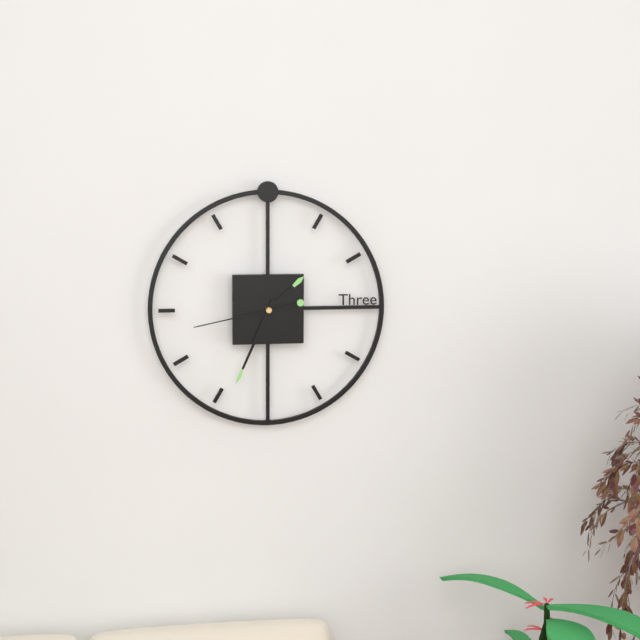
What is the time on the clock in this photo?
1:34:43
